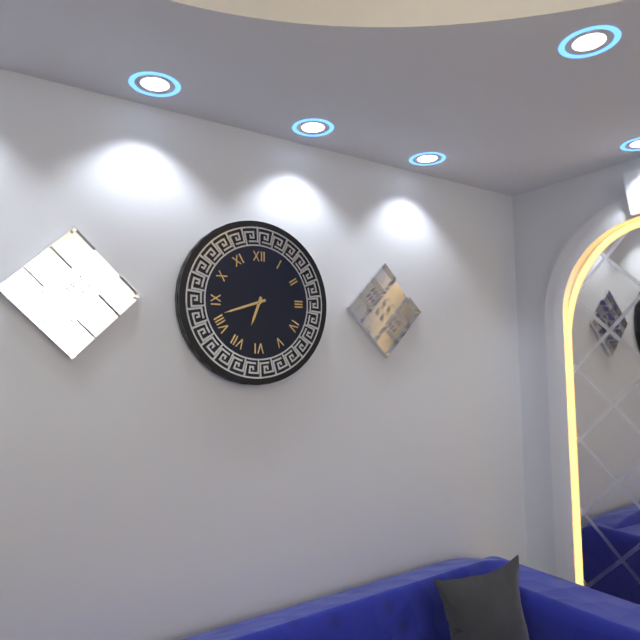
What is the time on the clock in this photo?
6:42
